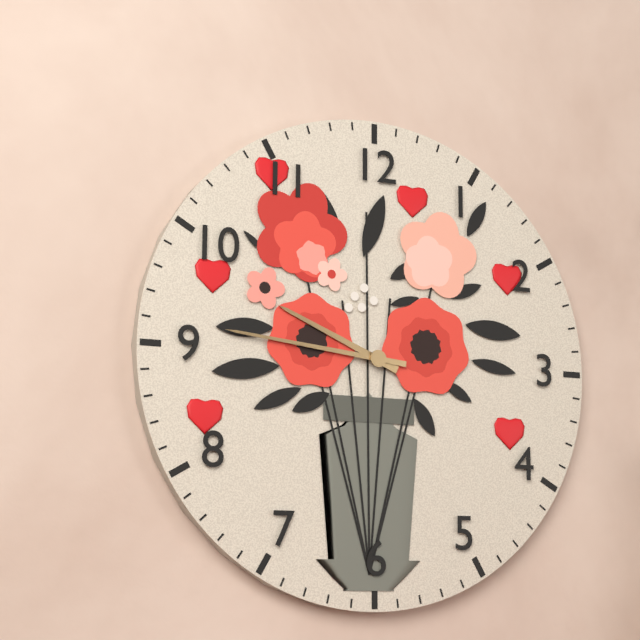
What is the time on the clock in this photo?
9:46
